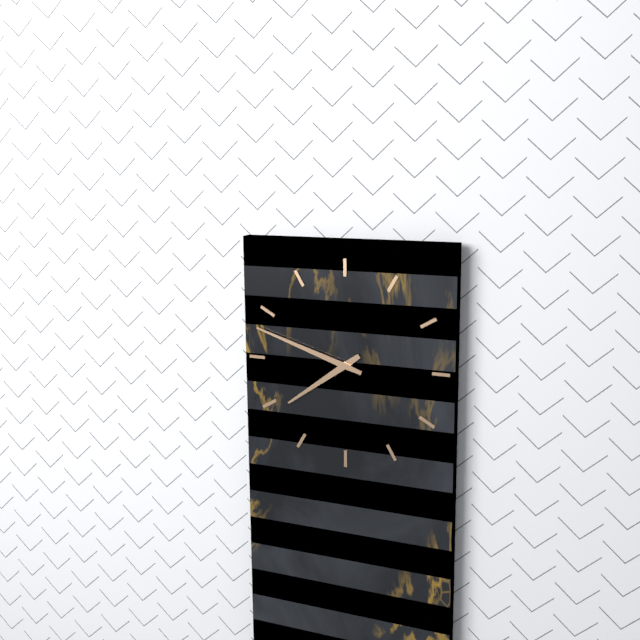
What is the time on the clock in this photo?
7:48
